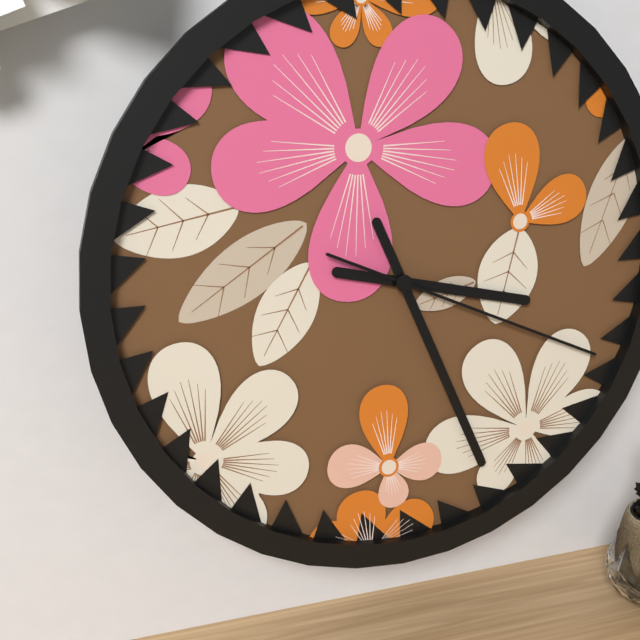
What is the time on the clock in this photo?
3:26:19
